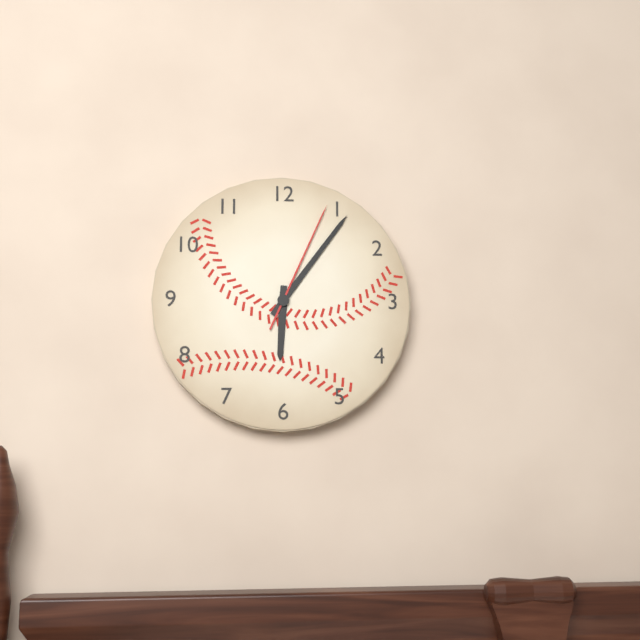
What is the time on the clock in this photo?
6:06:04
